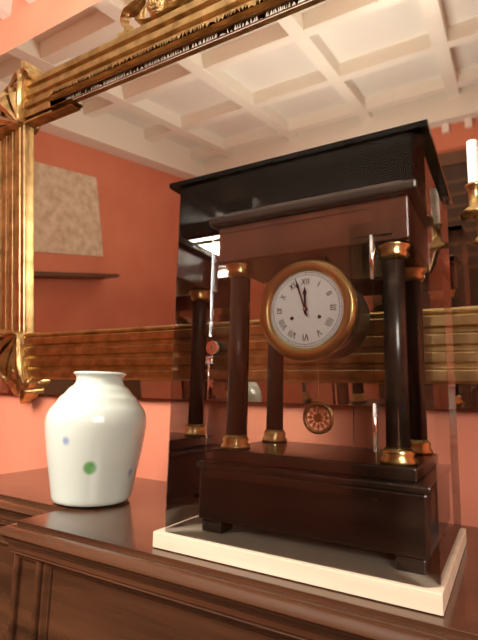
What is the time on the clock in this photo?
11:57
